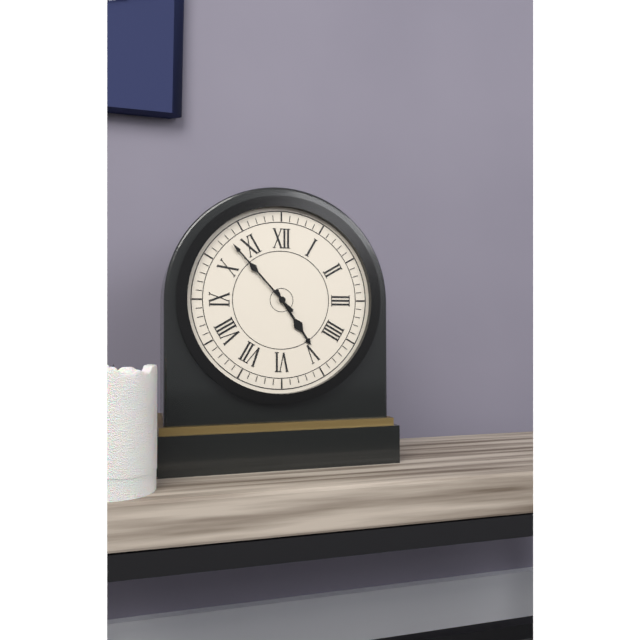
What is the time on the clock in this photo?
4:53
